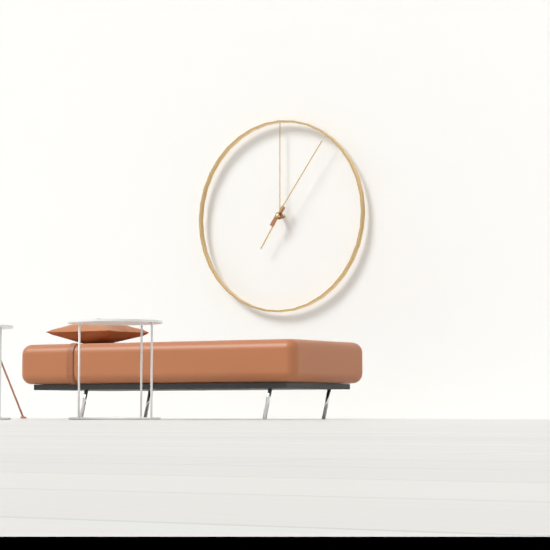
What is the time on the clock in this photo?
7:06
